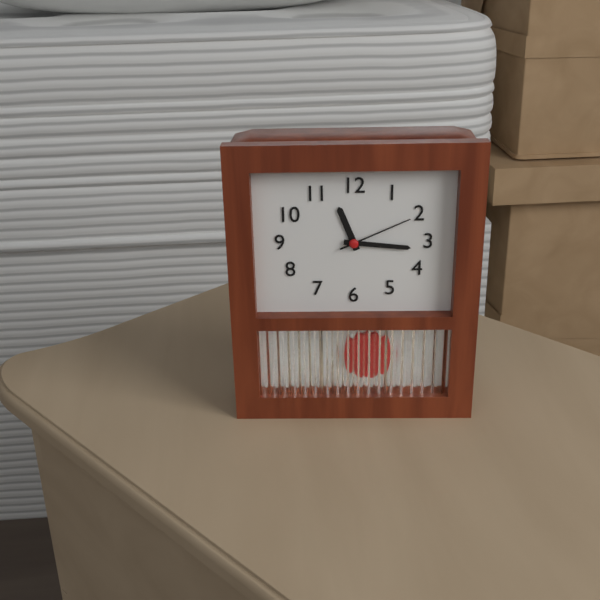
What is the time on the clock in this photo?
11:16:11
